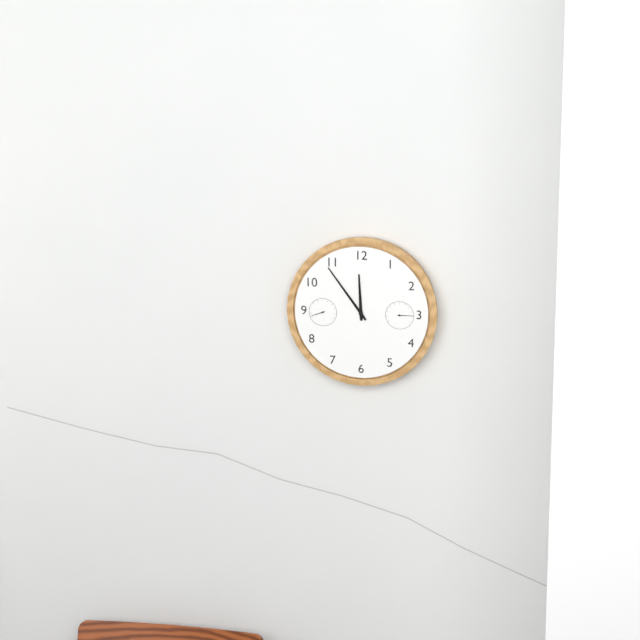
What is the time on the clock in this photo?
11:54
